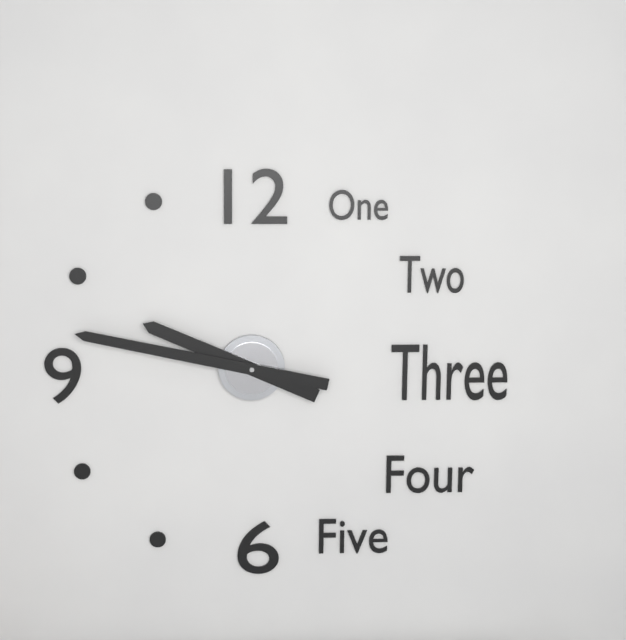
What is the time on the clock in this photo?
9:47
